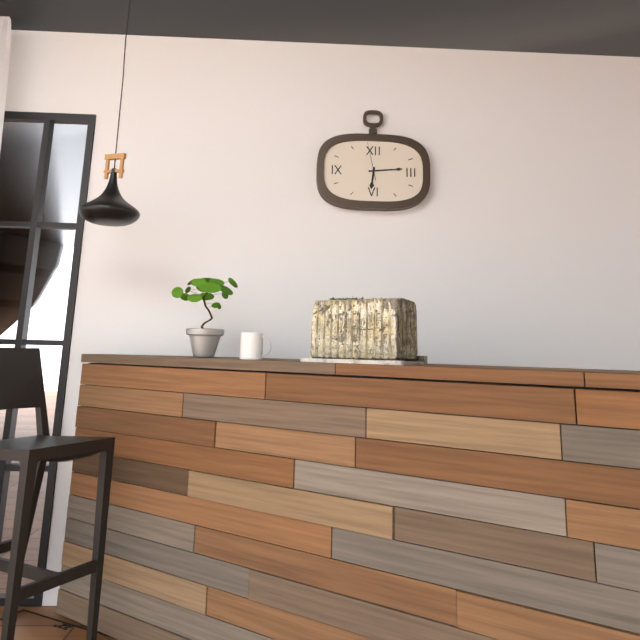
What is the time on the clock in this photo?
6:14
